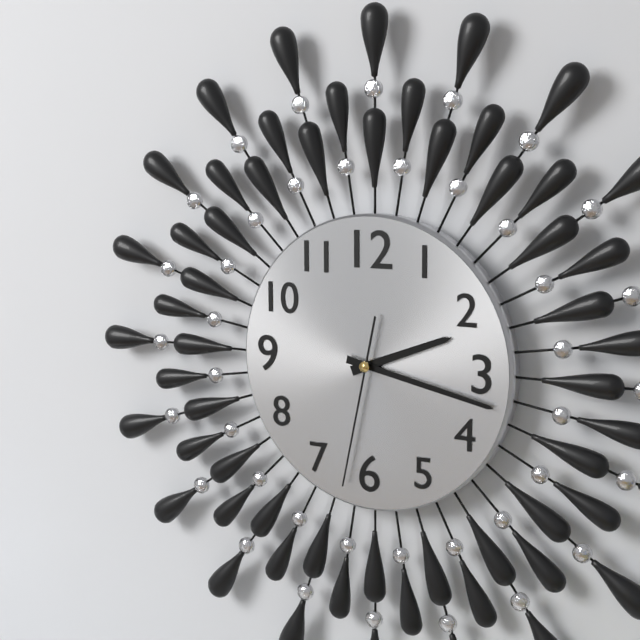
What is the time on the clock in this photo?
2:17:32
